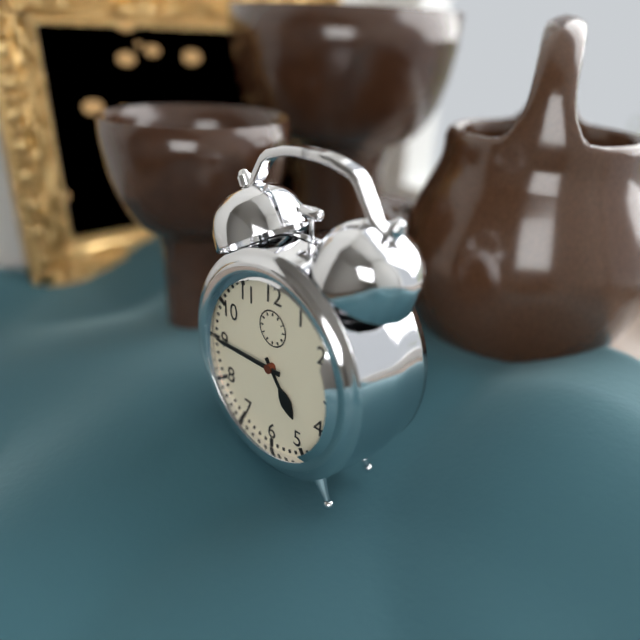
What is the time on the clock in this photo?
4:45
